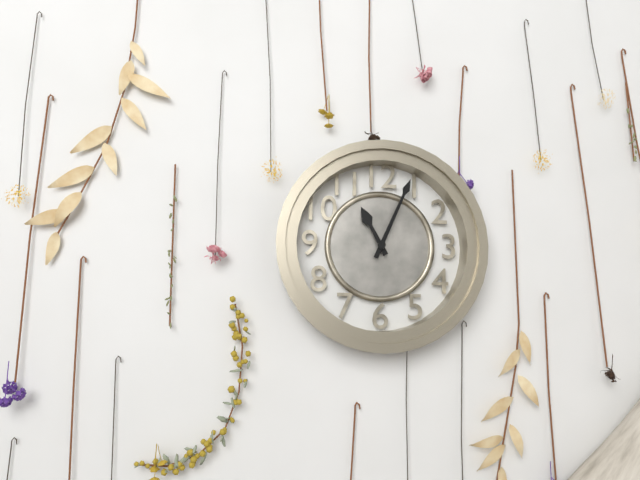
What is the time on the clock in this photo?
11:04
